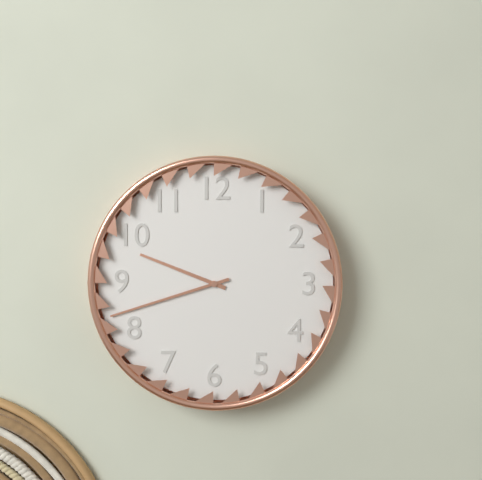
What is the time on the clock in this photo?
9:42
